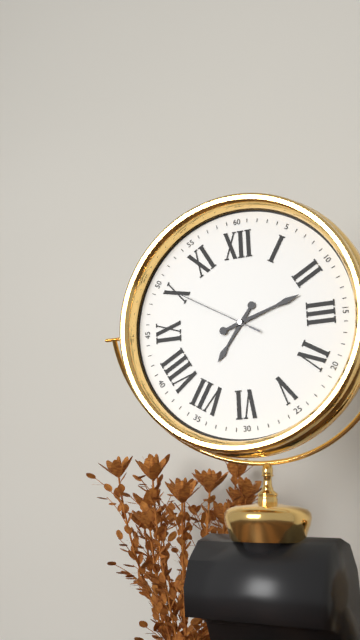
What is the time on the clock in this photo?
7:12:50
